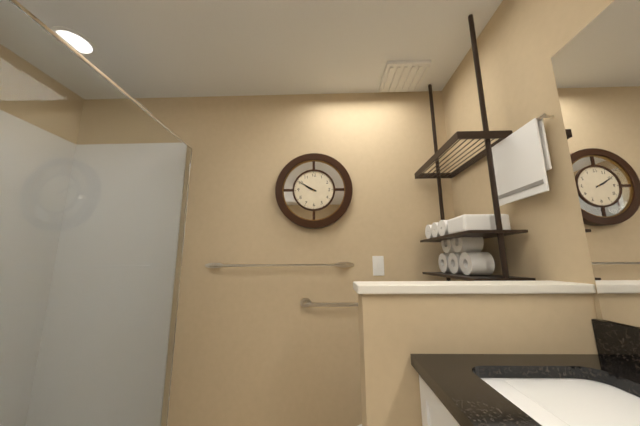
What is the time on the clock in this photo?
9:50
